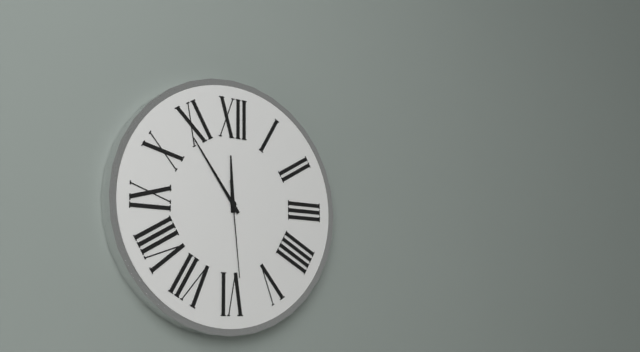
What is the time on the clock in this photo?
11:54:29
